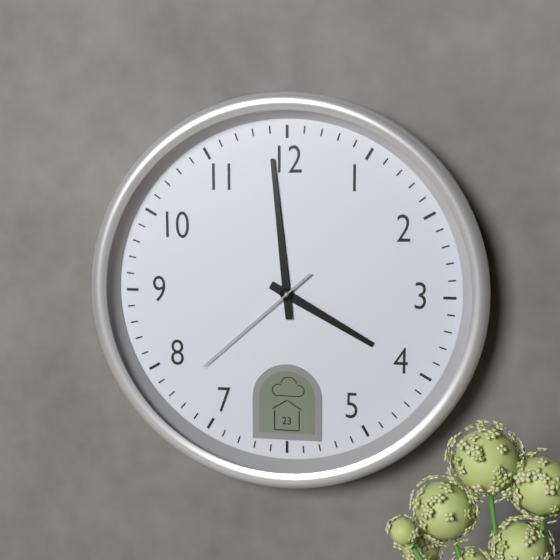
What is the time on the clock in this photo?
3:59:38
